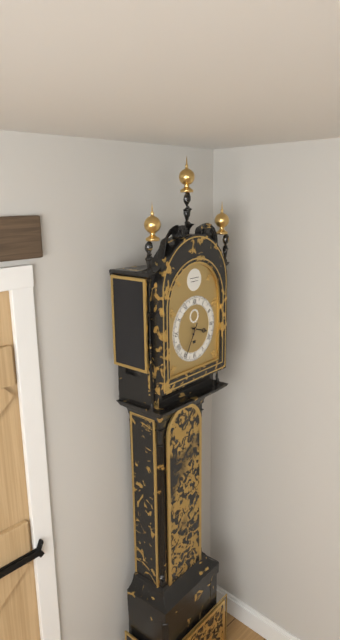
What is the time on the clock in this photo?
3:35
